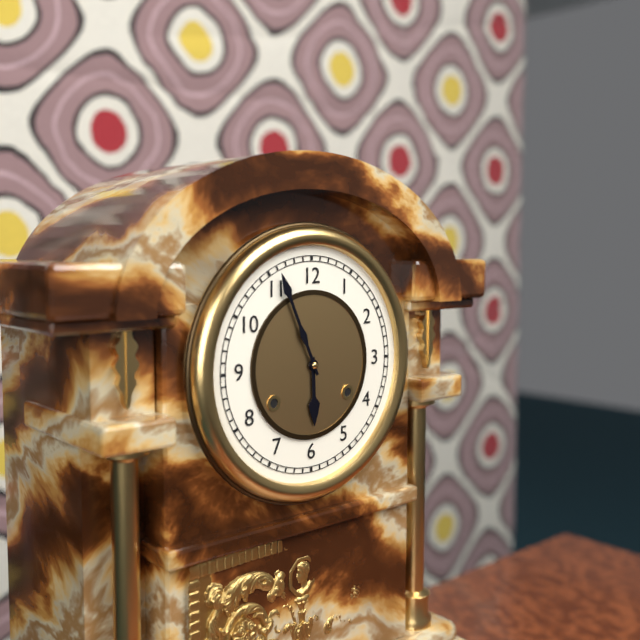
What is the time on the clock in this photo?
5:56
